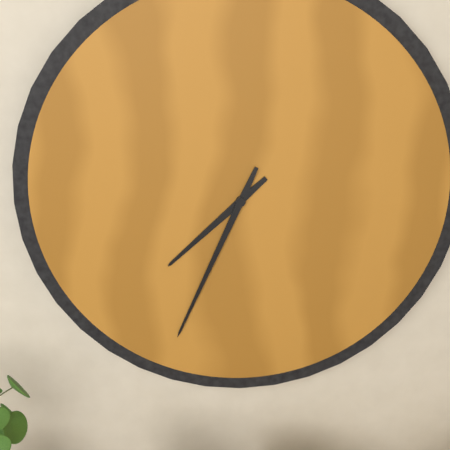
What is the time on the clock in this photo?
7:34
